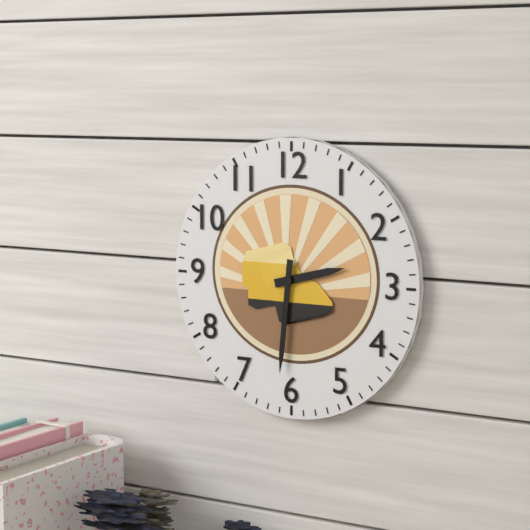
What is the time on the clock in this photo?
2:31
